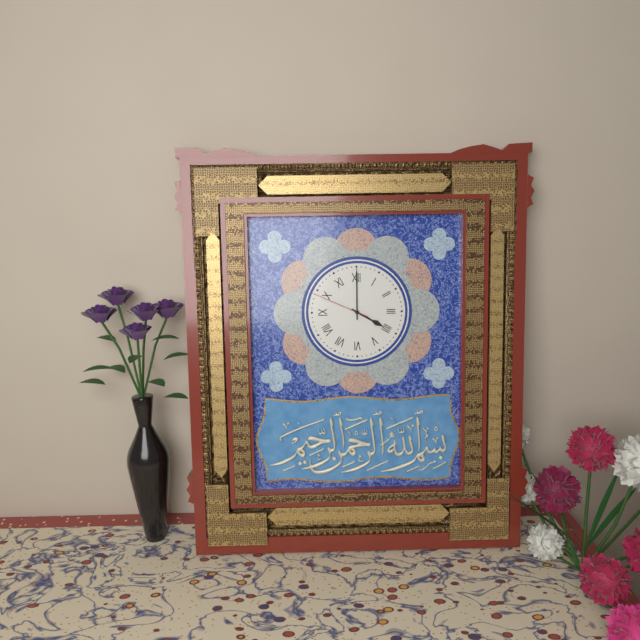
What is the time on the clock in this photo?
4:00:49
